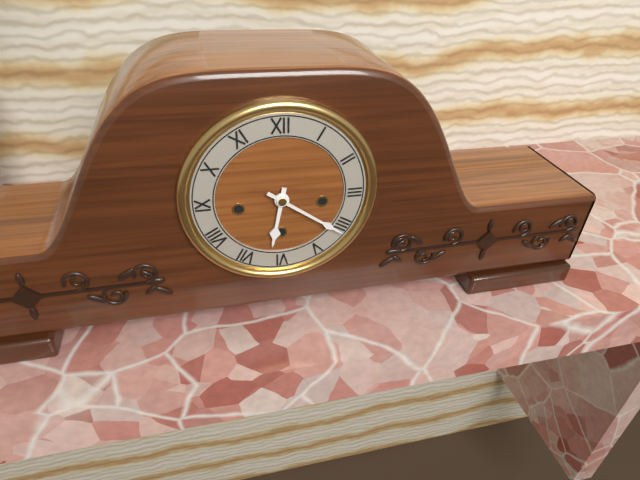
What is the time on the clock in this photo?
6:21
